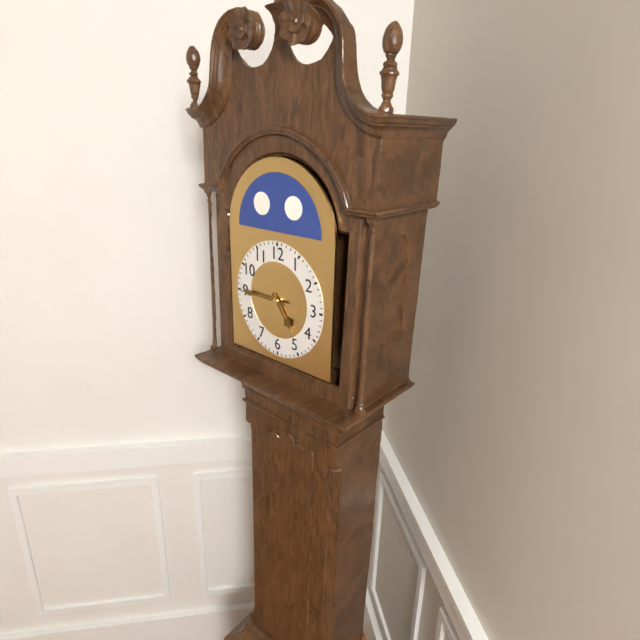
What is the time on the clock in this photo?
4:45
